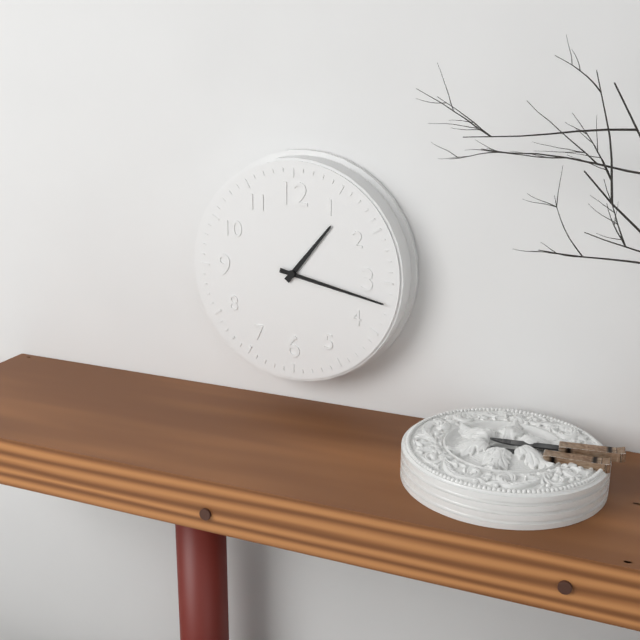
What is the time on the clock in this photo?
1:17
